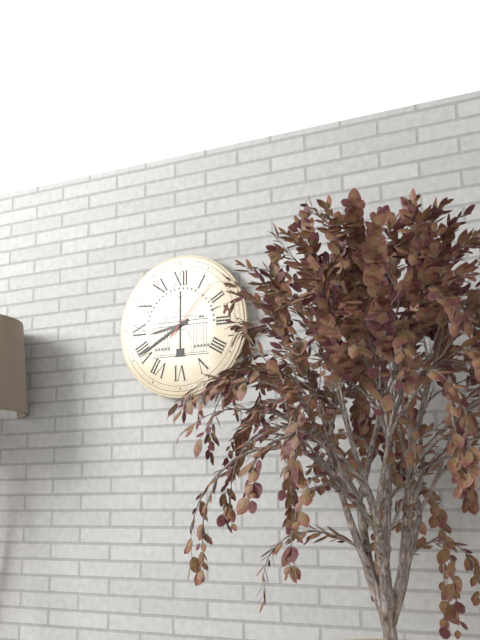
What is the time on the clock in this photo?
8:40:07
